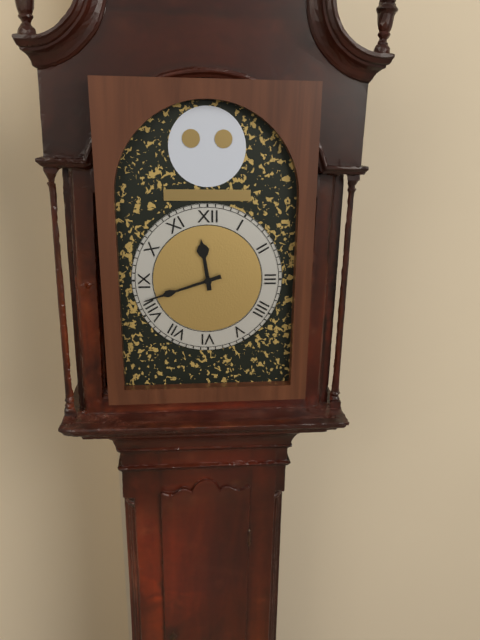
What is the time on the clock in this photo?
11:42
